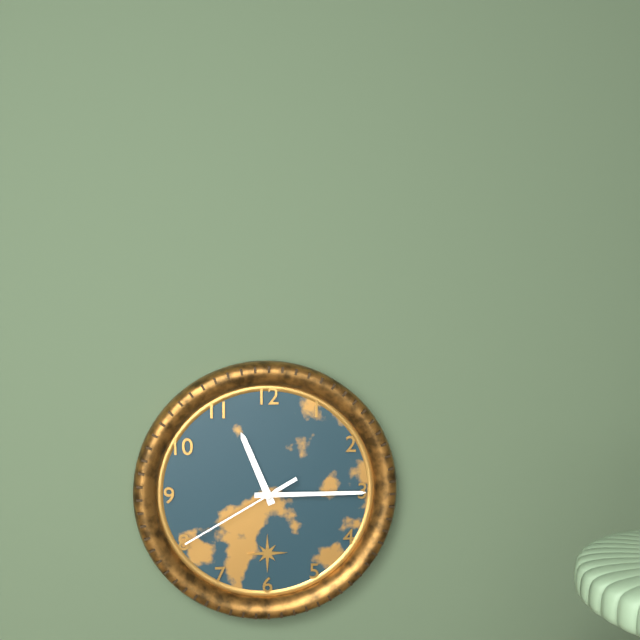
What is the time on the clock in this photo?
11:15:40
